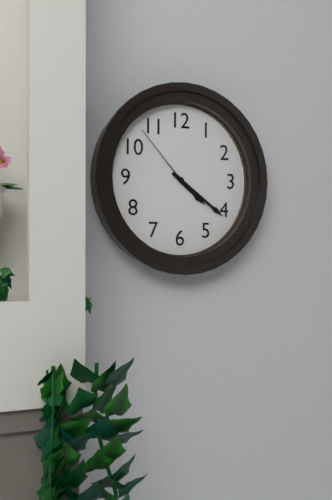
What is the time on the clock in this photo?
4:21:53
